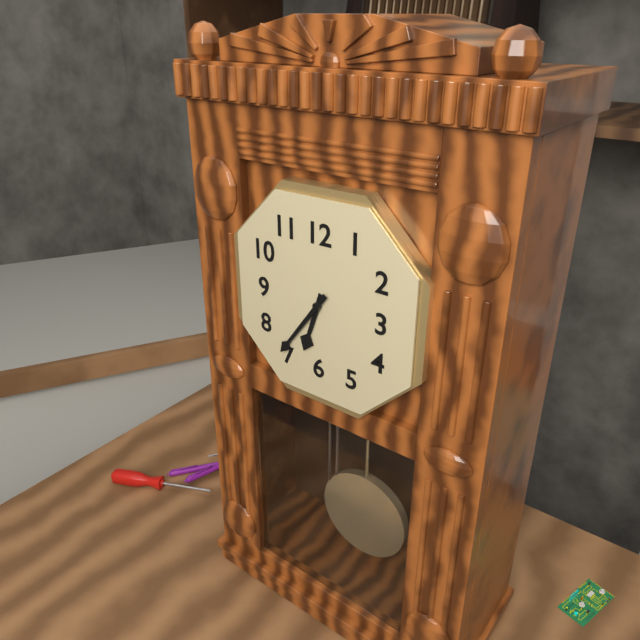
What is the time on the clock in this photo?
6:36
